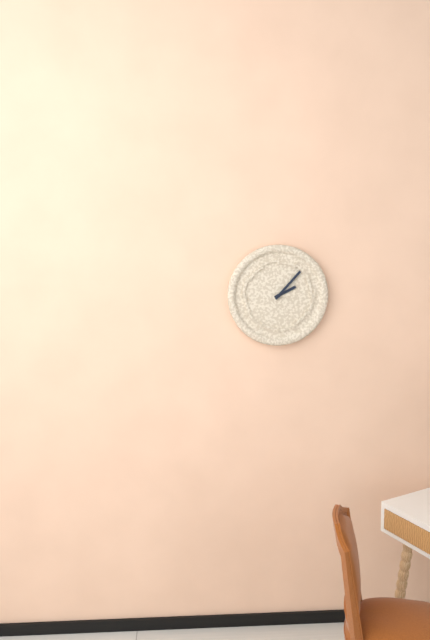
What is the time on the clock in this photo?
2:07
